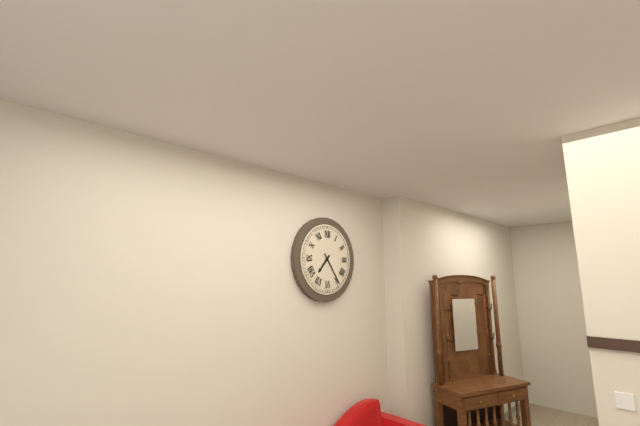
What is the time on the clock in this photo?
7:24
